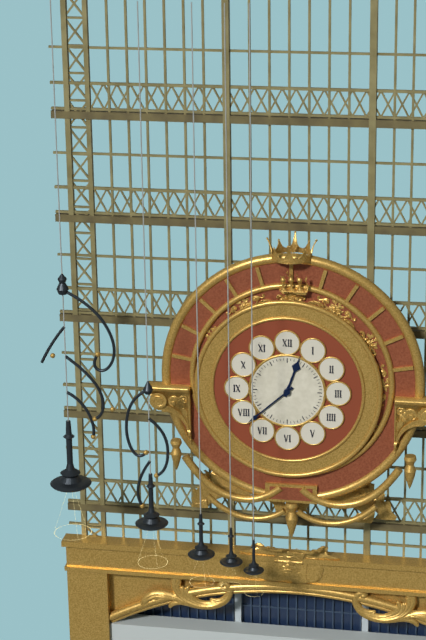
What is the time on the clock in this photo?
12:38
